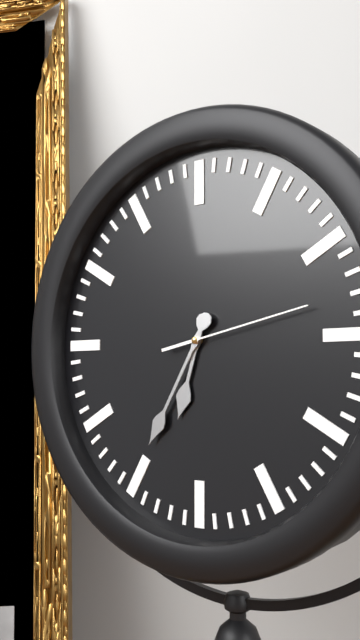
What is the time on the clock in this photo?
6:35:13
